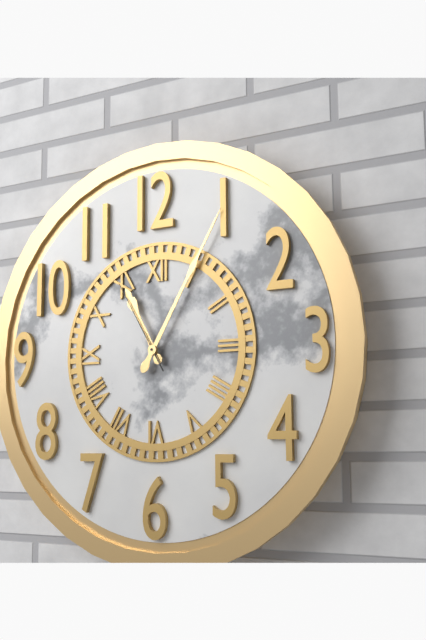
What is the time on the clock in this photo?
11:05:55
